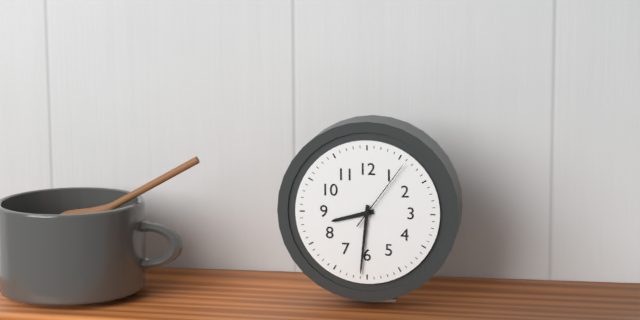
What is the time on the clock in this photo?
8:31:06
